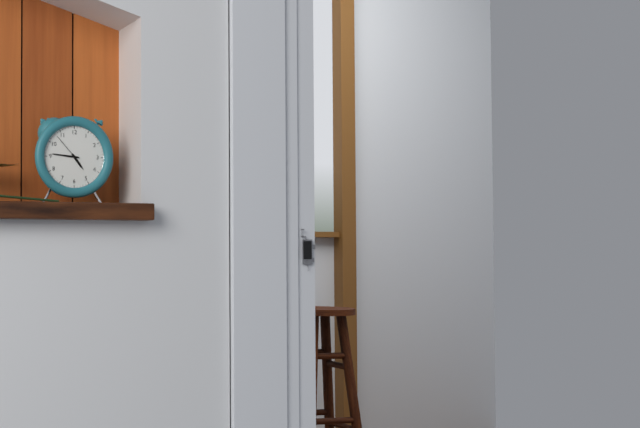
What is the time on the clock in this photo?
4:46
